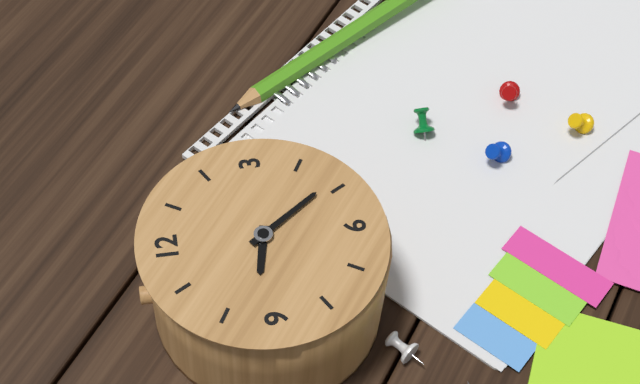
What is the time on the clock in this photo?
9:24
